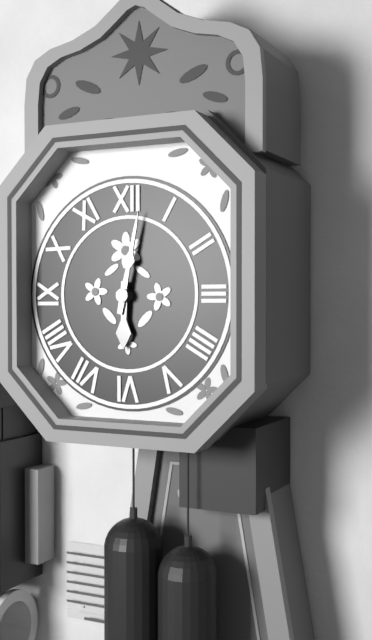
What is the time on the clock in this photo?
6:02
